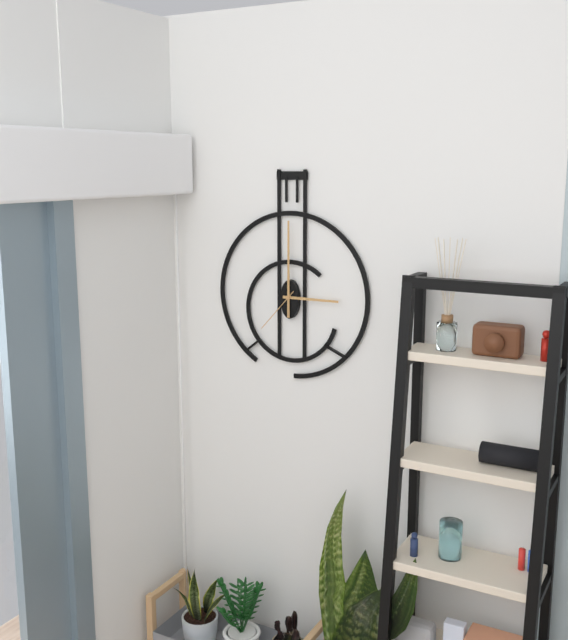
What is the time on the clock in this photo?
3:00:37
